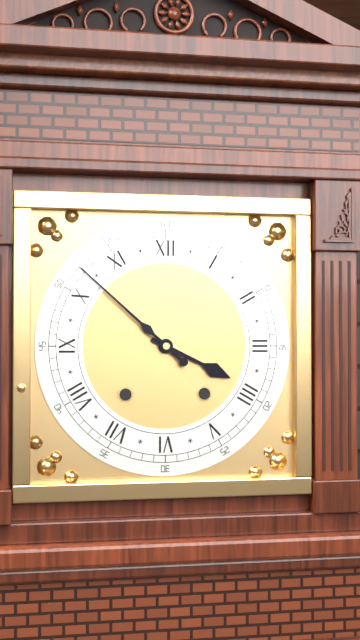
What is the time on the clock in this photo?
3:52
